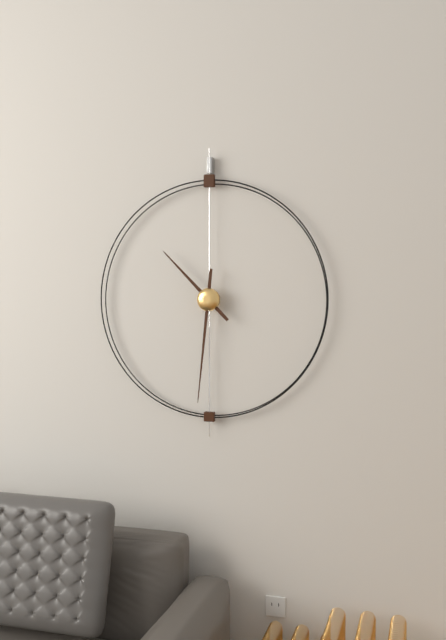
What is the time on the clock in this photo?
10:31
